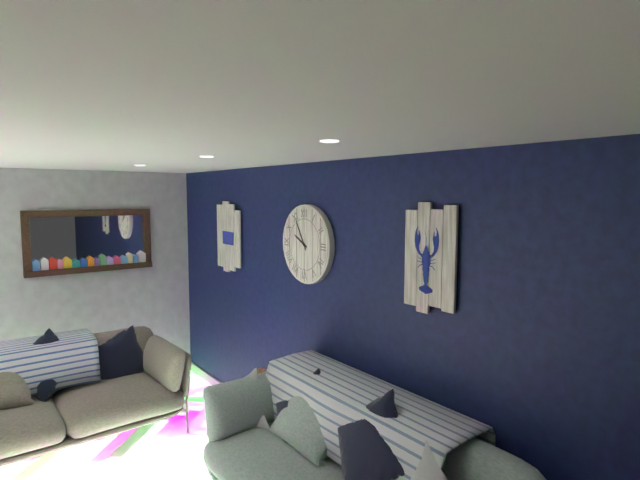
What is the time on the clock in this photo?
9:55
